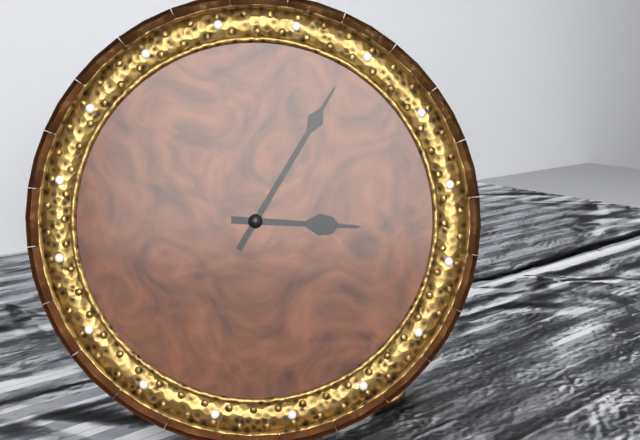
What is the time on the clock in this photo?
3:05
